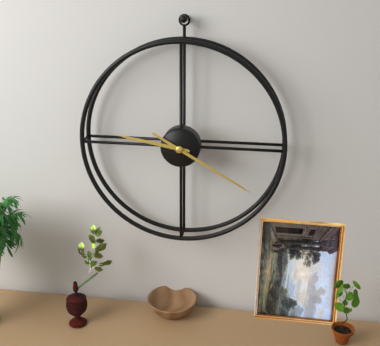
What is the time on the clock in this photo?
9:20
